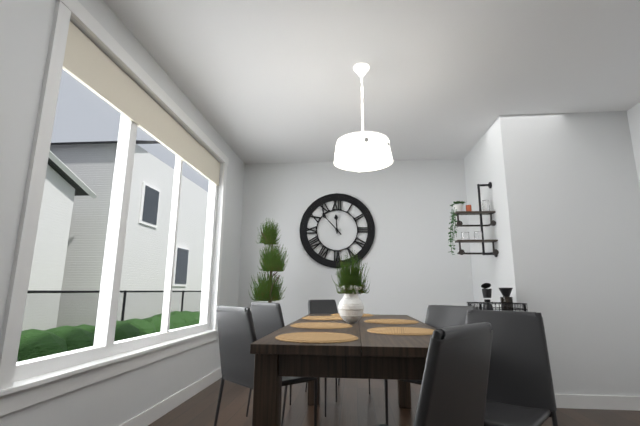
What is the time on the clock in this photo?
11:53
